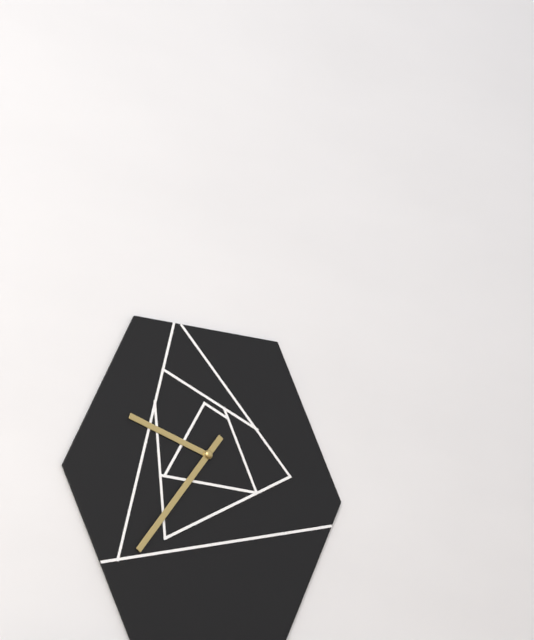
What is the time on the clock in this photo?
9:36
